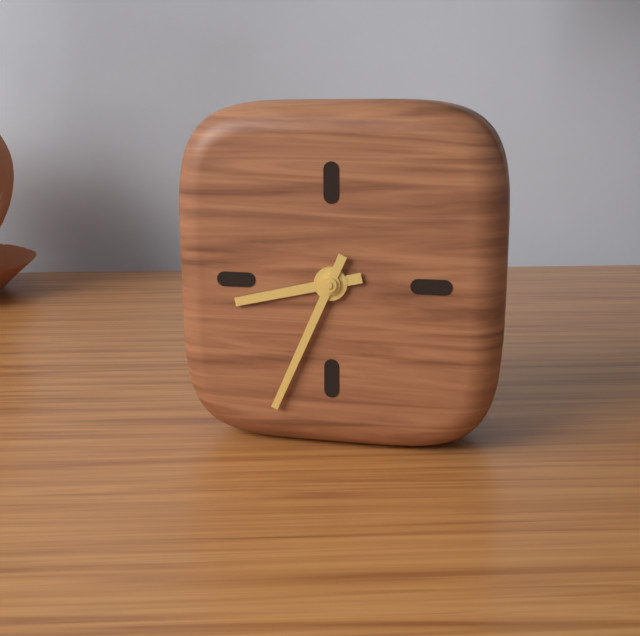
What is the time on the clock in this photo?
8:34
